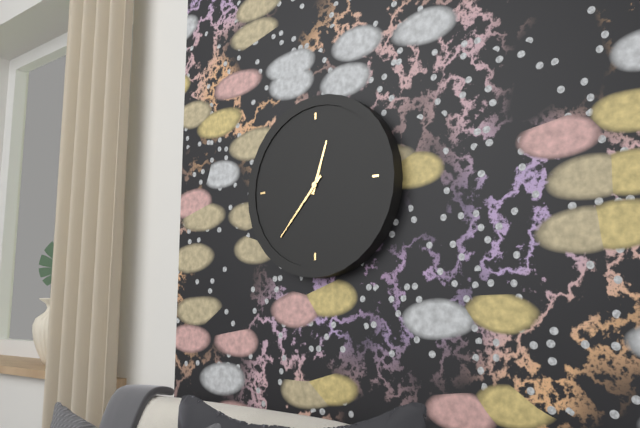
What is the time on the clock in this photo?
12:37
